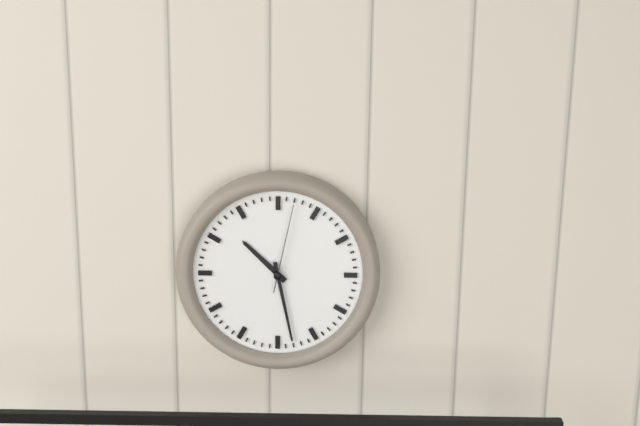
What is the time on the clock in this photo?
10:28:02
